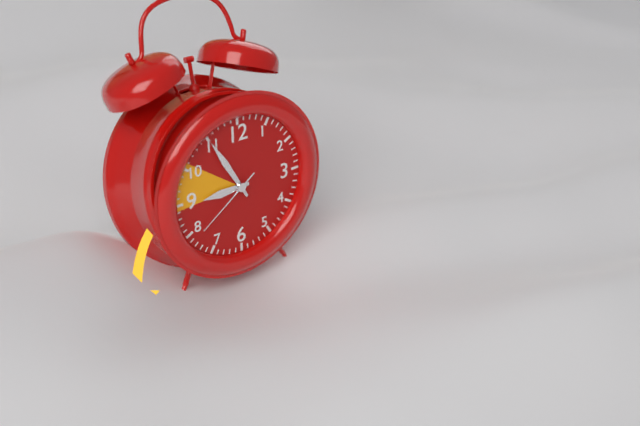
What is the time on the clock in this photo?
8:55:39
